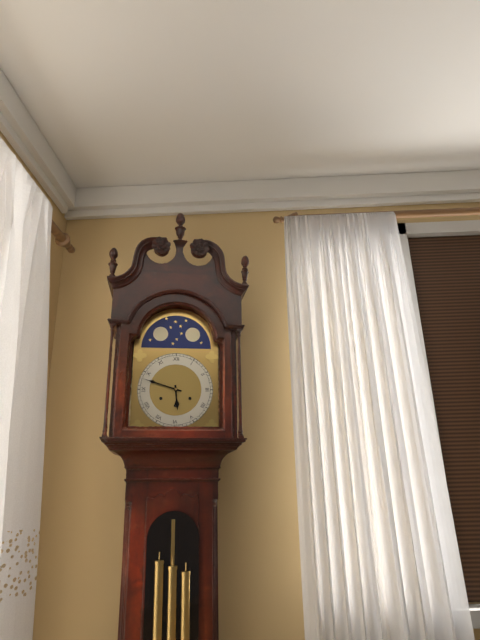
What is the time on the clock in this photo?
5:48
